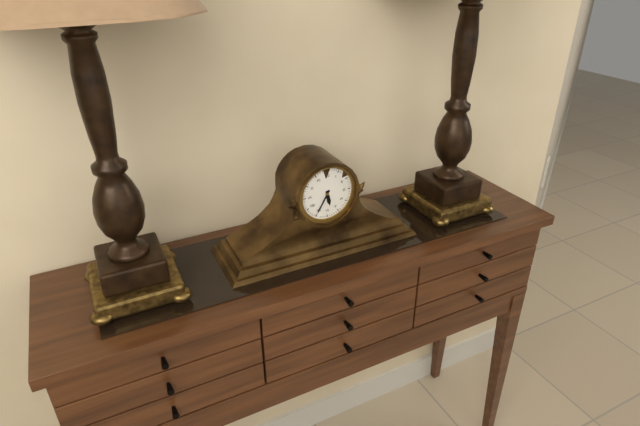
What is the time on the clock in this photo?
5:35
